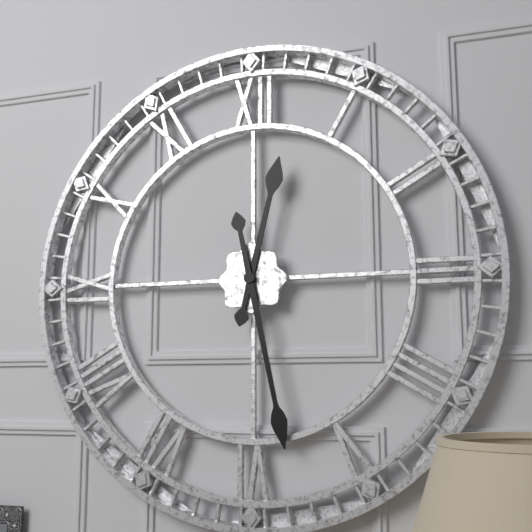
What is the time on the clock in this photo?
12:28
